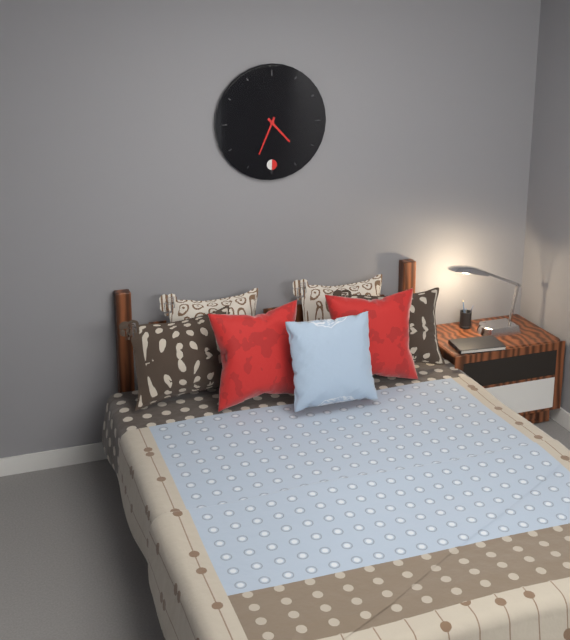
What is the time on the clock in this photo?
4:34
